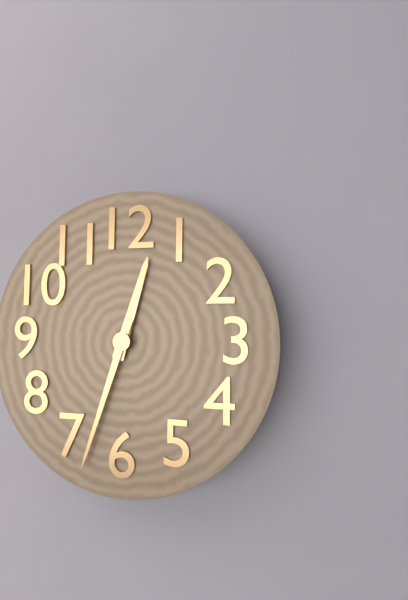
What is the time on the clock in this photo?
12:33
